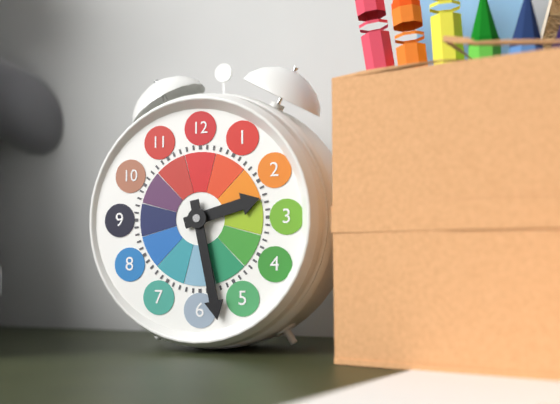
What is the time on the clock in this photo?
2:28
